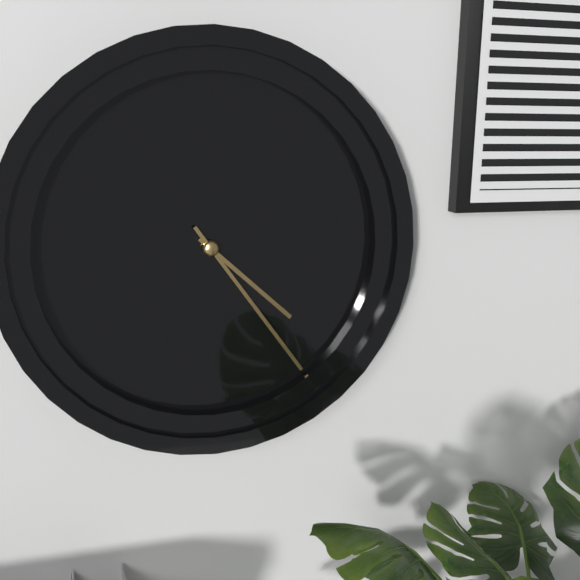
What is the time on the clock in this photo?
4:24
